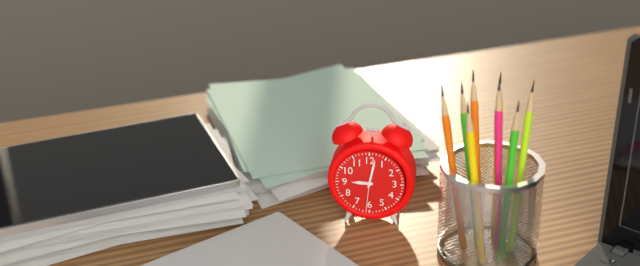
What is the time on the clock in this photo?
9:02
